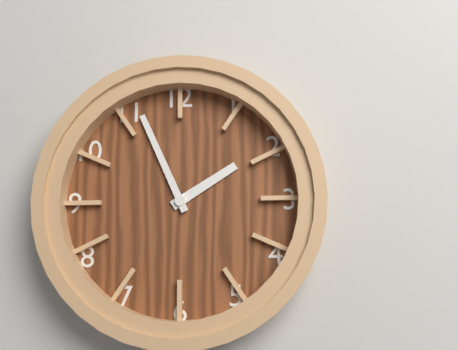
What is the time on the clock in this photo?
1:56
